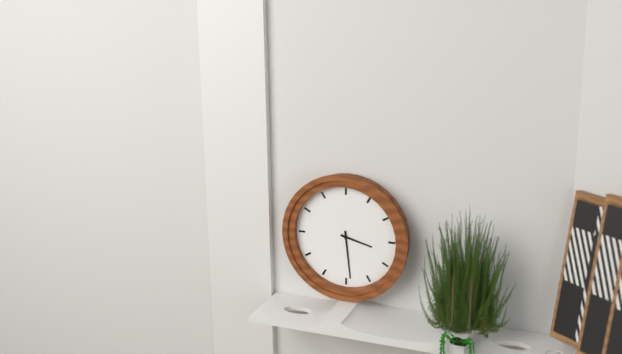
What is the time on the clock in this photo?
3:29
